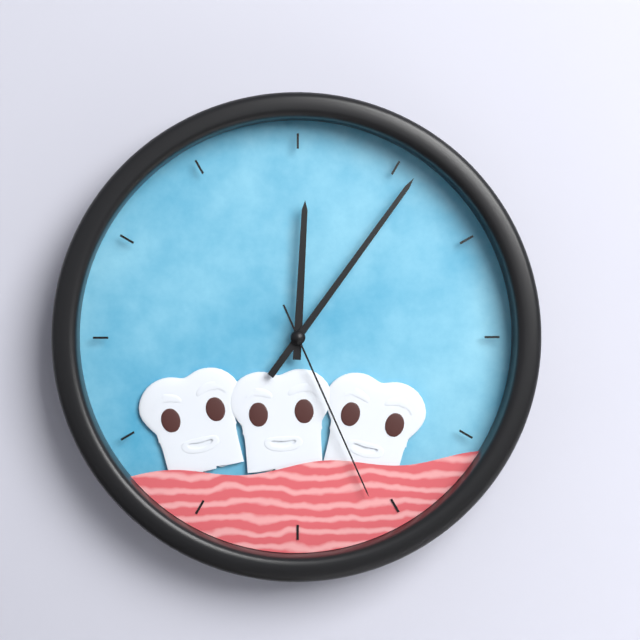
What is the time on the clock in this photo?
12:06:26
